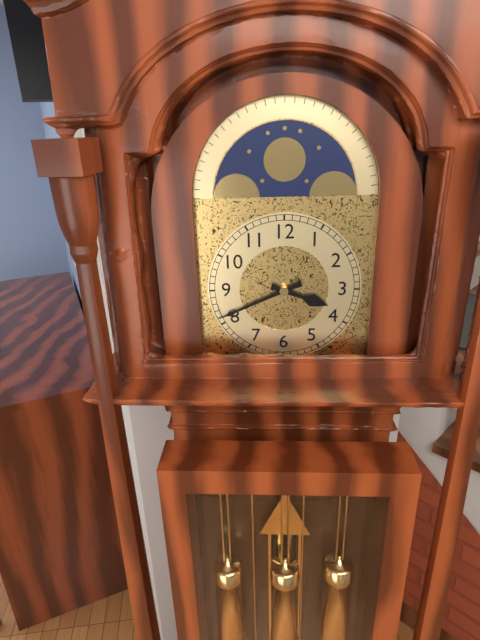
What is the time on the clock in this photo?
3:41
